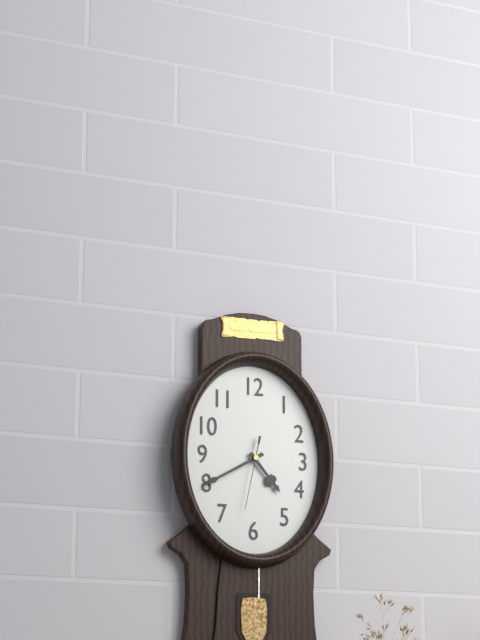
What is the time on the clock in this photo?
4:40:32
